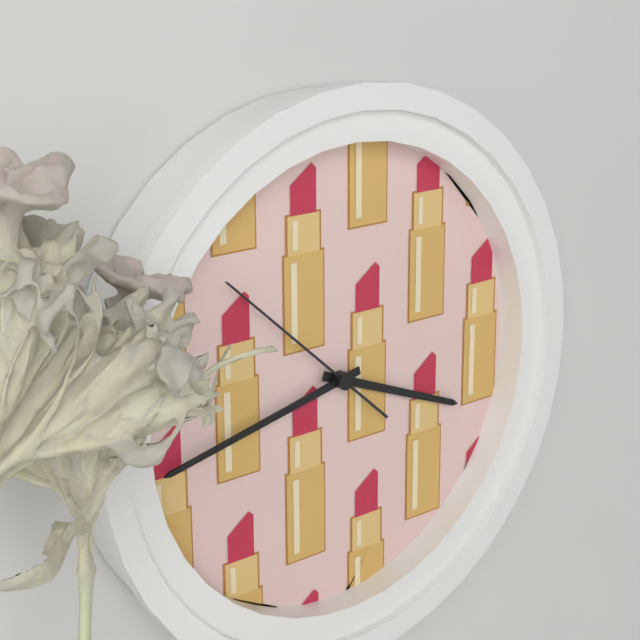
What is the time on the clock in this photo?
3:43:52
